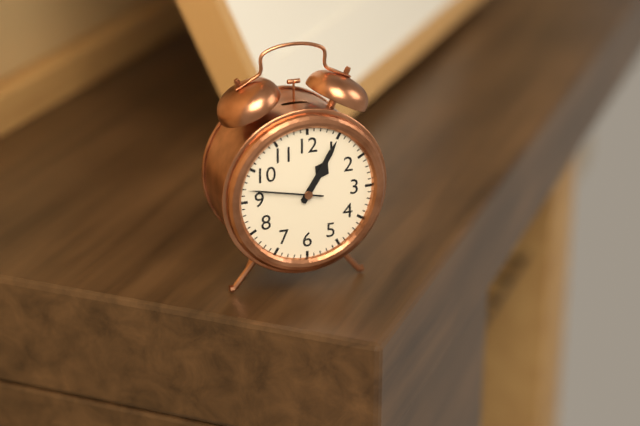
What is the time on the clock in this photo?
1:05:47
